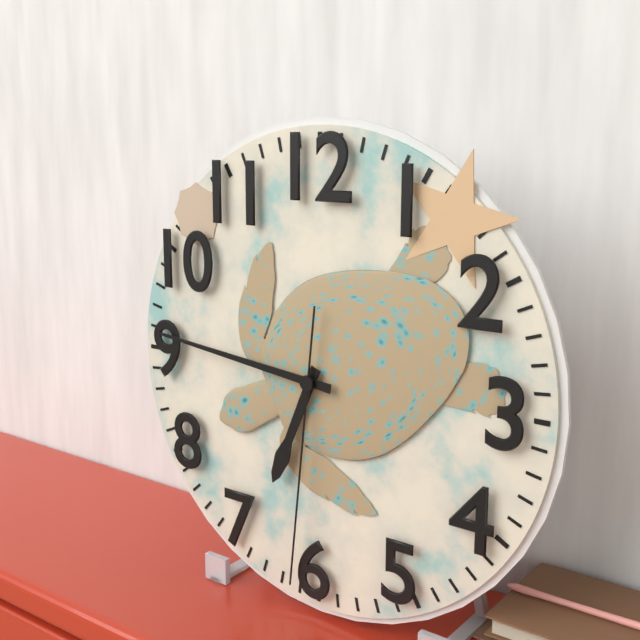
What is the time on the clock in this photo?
6:46:31
